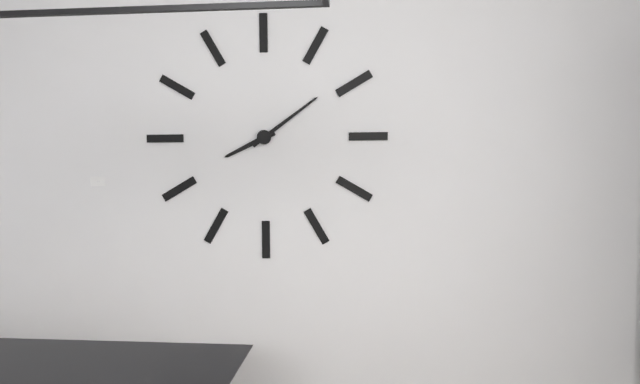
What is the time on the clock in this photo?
8:09
